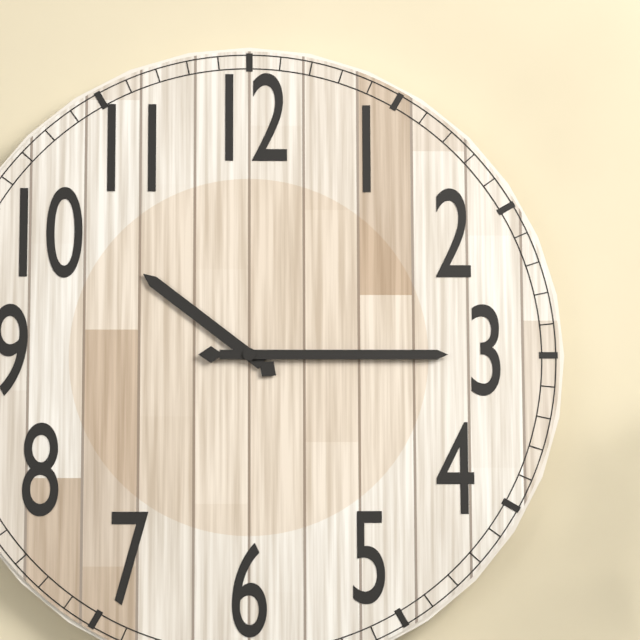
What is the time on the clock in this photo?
10:15
